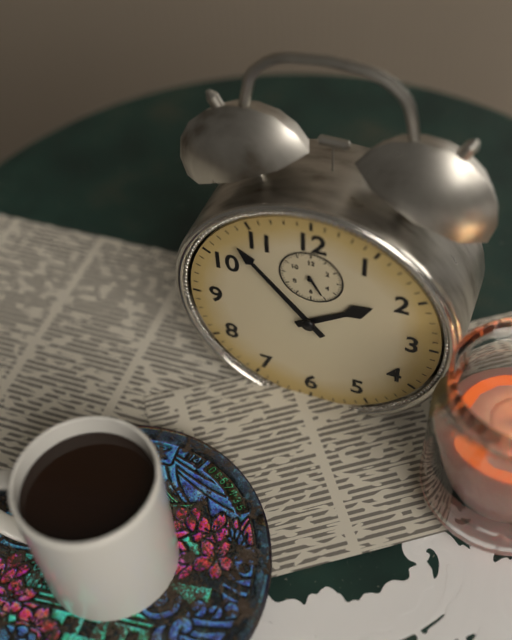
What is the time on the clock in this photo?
1:53
